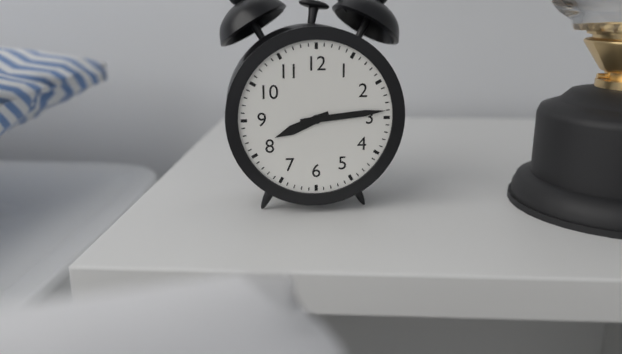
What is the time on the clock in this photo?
8:14
